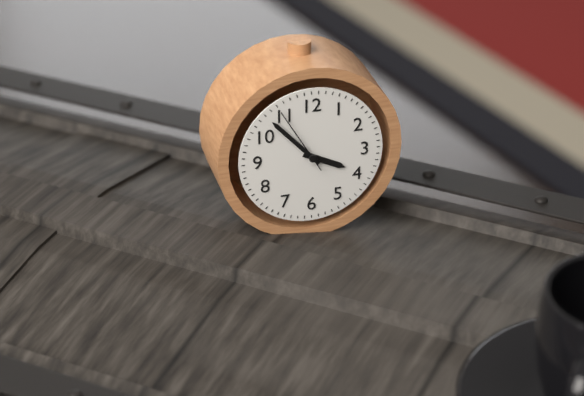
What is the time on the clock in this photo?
3:53:55
